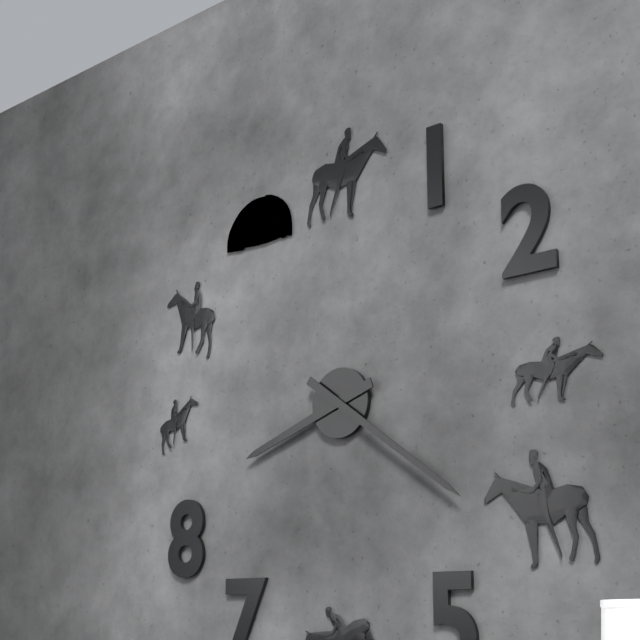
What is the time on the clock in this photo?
8:21
